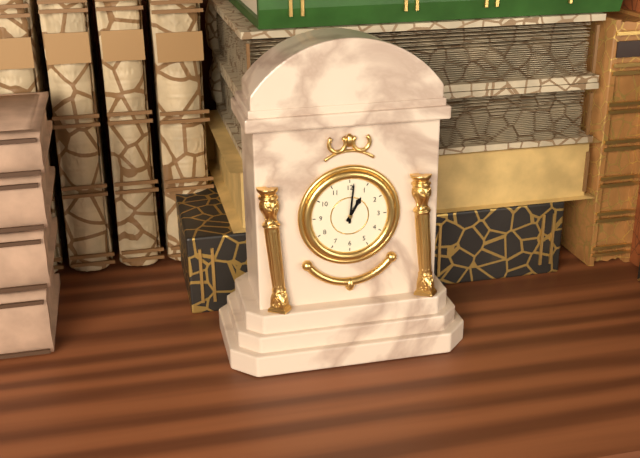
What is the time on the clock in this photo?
1:01
